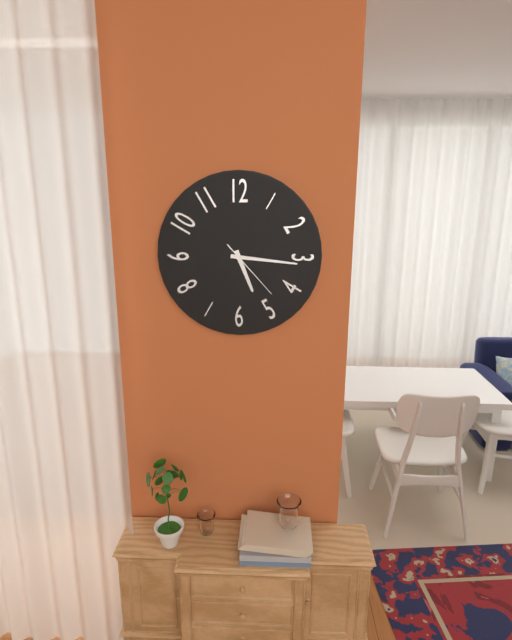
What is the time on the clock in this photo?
5:16:23
